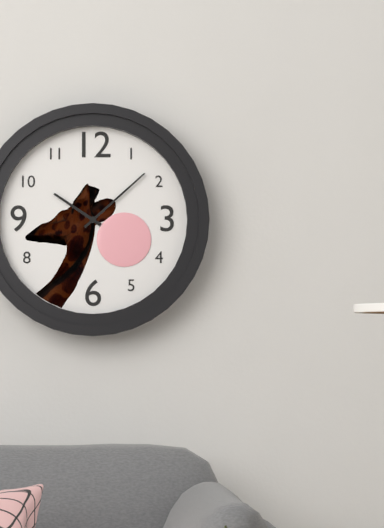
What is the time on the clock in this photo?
10:08
